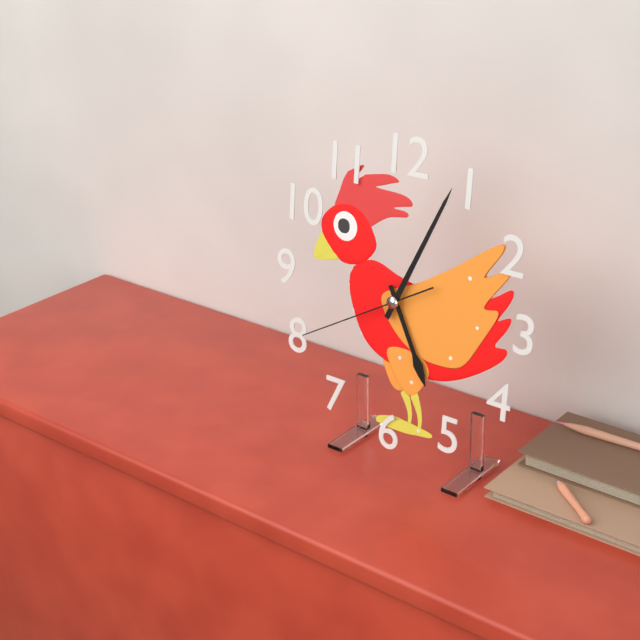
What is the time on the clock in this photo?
5:04:40
